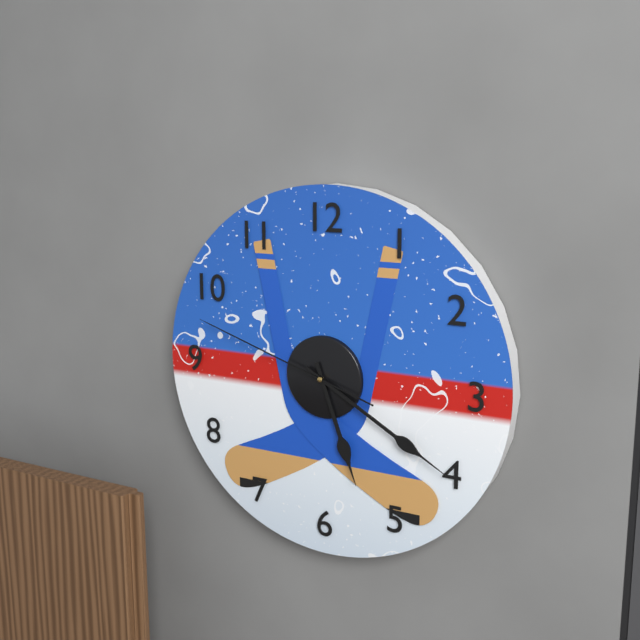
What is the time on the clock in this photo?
5:20:48
